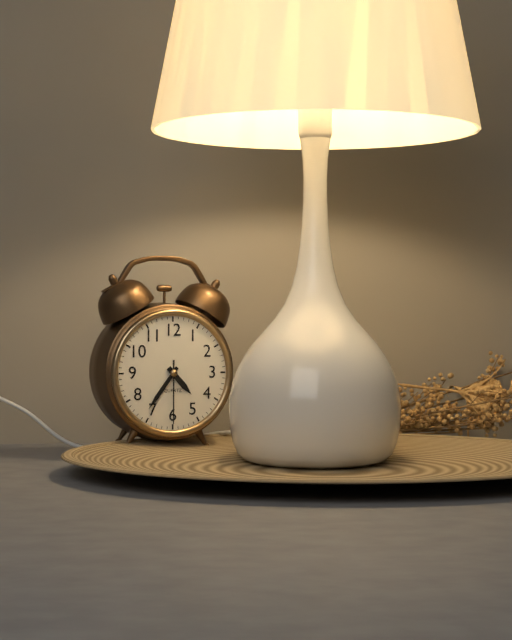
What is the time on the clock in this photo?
4:36:30
